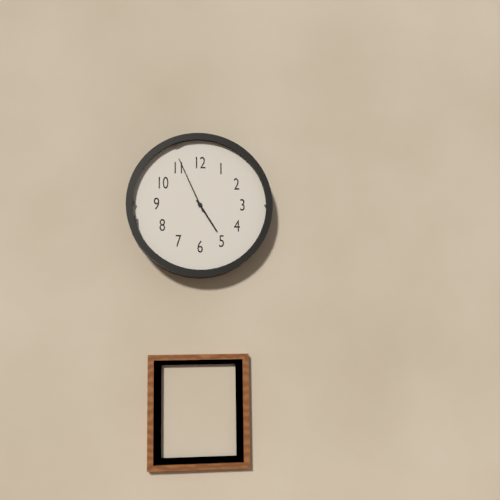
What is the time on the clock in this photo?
4:56
